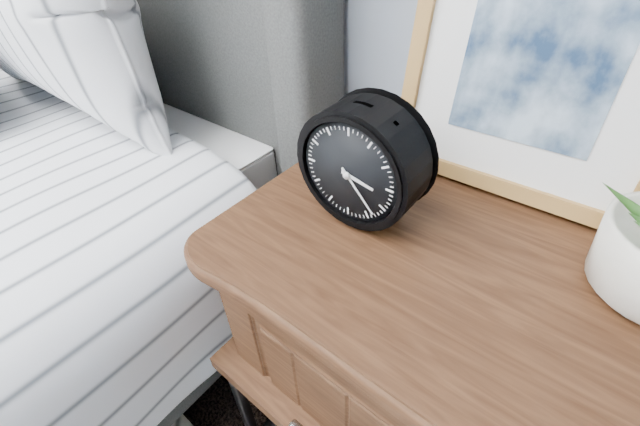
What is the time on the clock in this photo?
3:23
